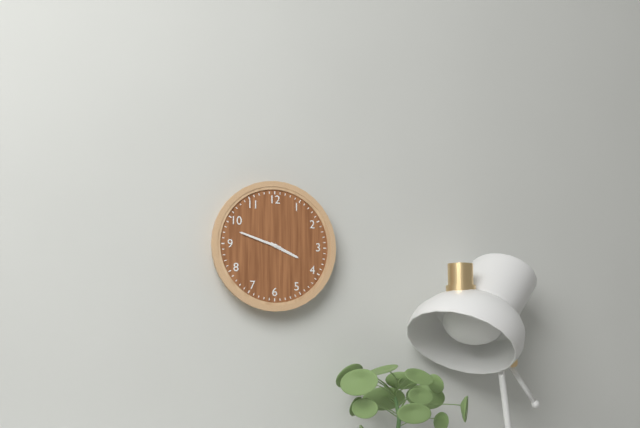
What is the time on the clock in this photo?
3:48
